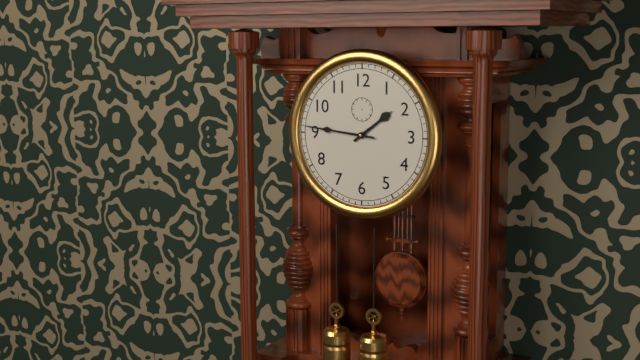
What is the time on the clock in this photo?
1:46
